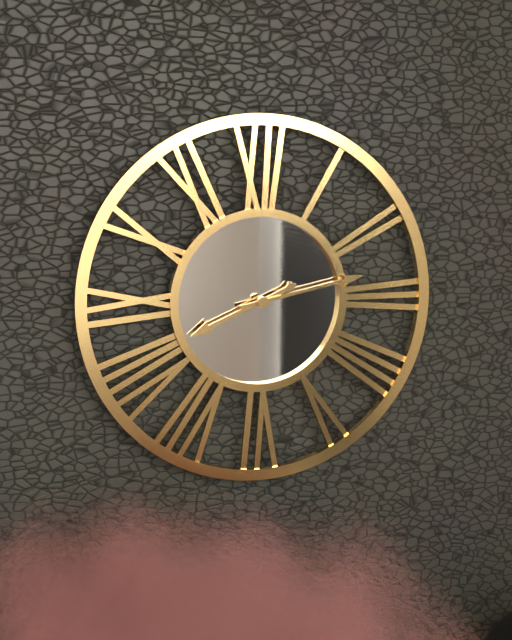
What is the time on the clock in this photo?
8:13
